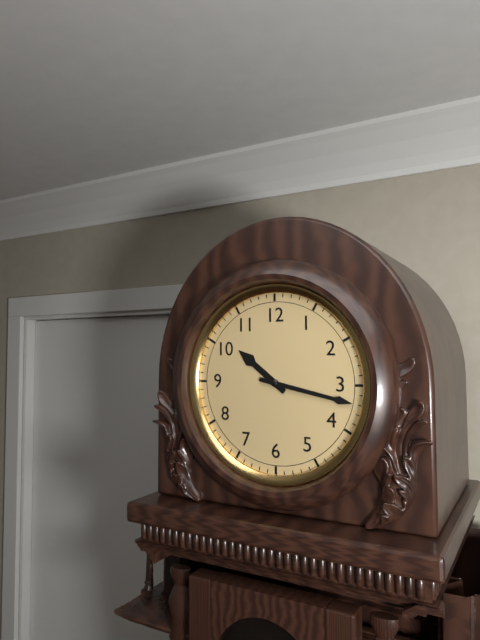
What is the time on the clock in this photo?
10:17
